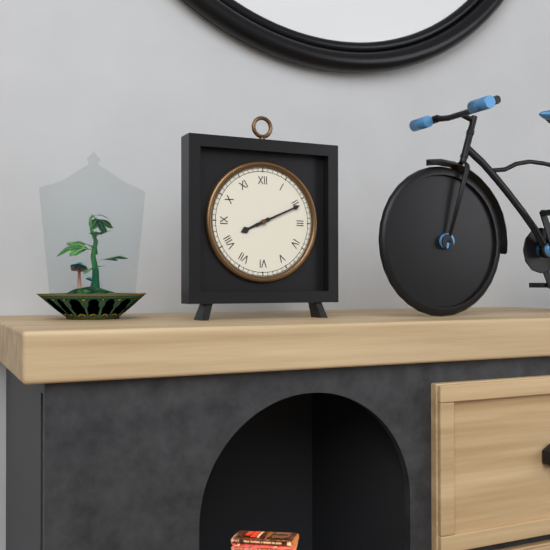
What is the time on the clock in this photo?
8:11
